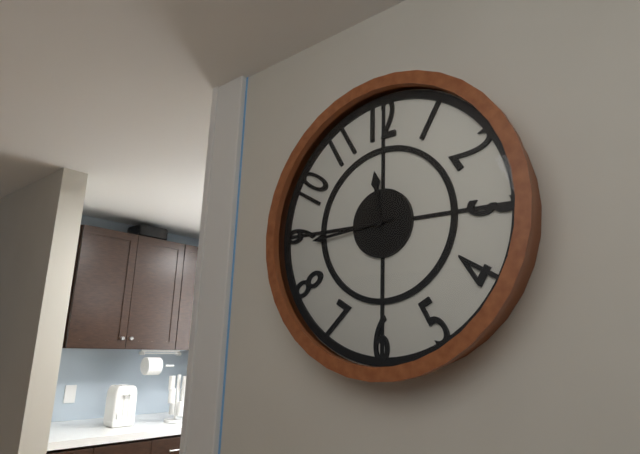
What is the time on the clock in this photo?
11:44
